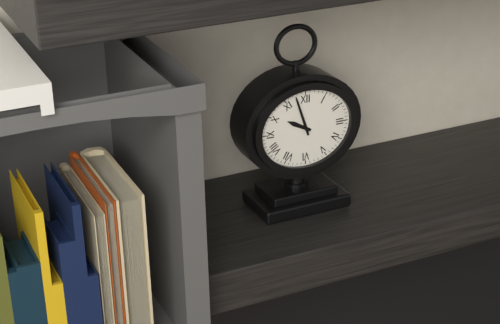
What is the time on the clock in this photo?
9:57
